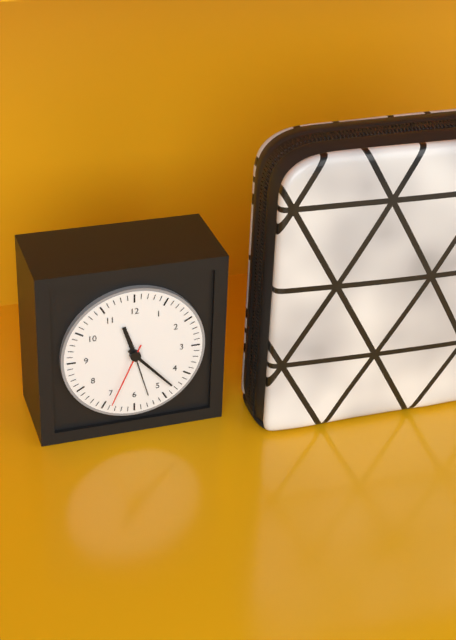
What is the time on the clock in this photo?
11:23:34
